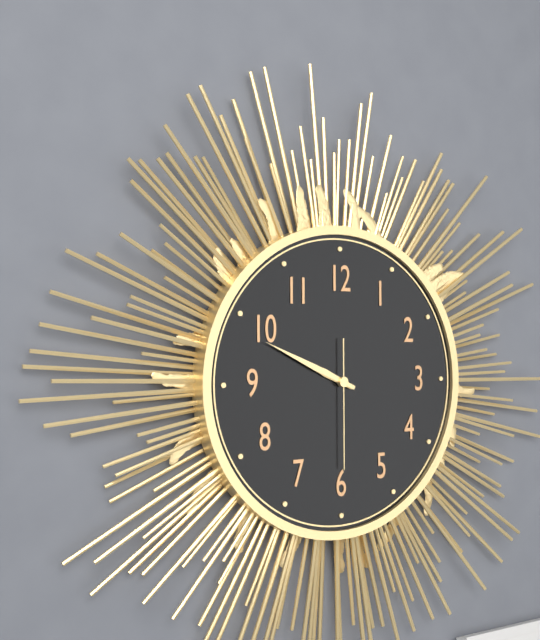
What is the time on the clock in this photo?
9:49:30
